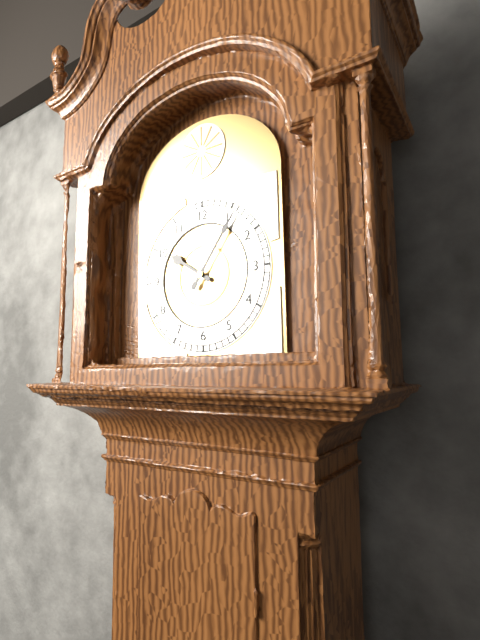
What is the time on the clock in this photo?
10:06
